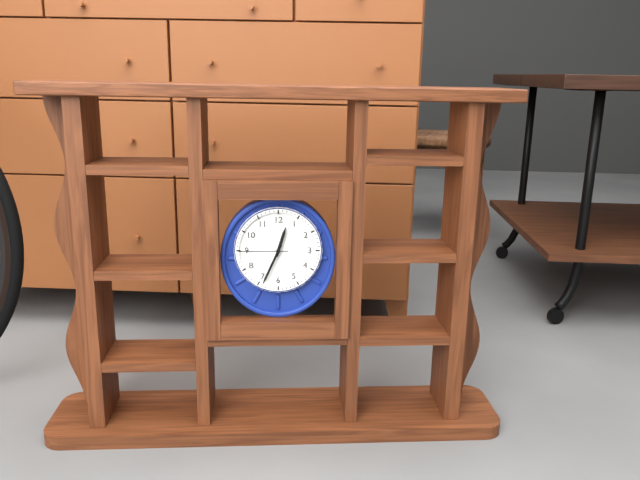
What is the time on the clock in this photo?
12:34:45
